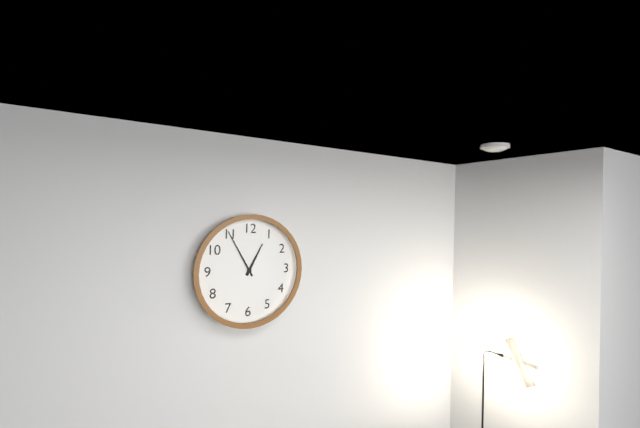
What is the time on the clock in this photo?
12:55
